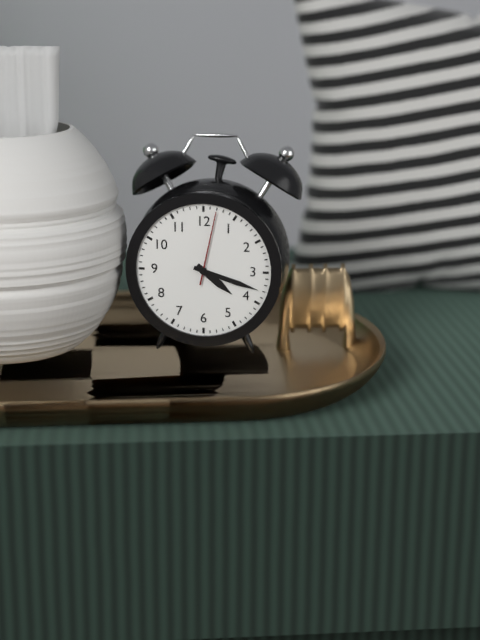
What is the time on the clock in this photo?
4:18:02
